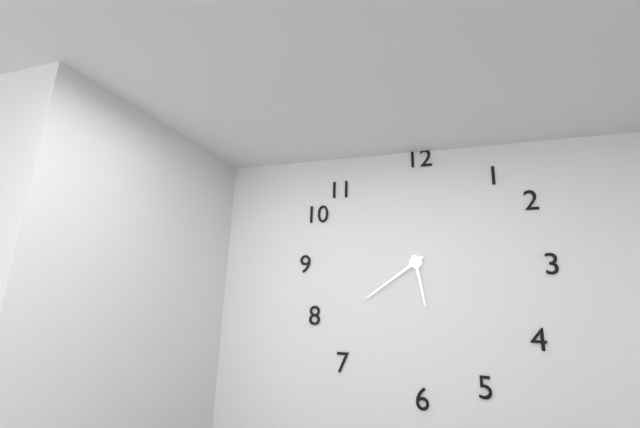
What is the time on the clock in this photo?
5:39
